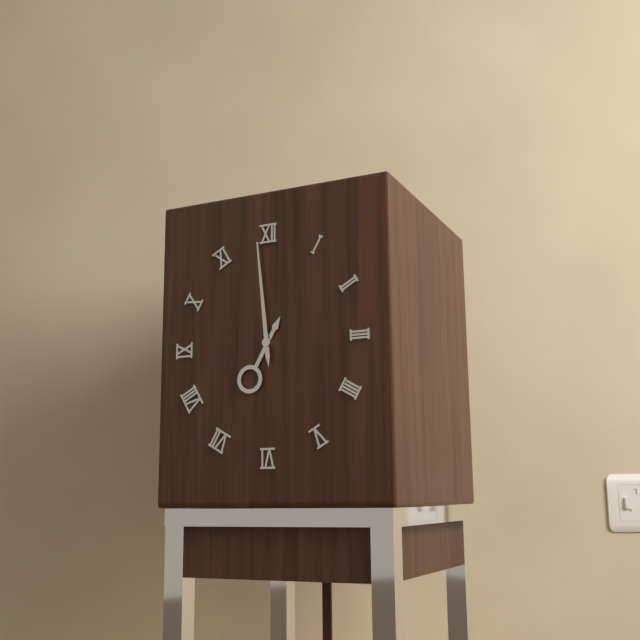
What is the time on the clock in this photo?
6:59
